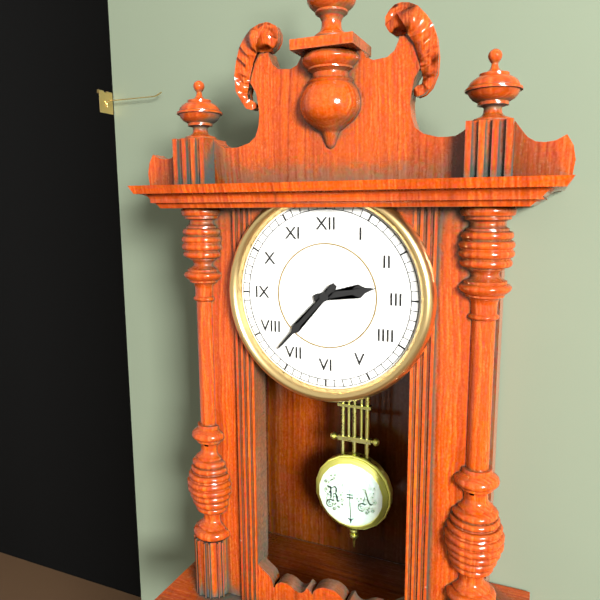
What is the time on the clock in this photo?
2:37
